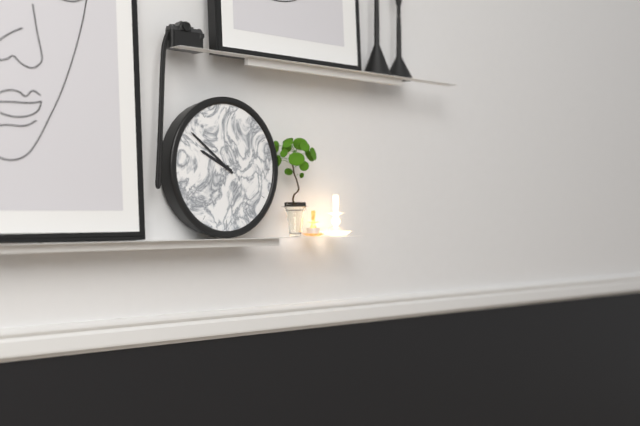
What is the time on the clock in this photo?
9:51
